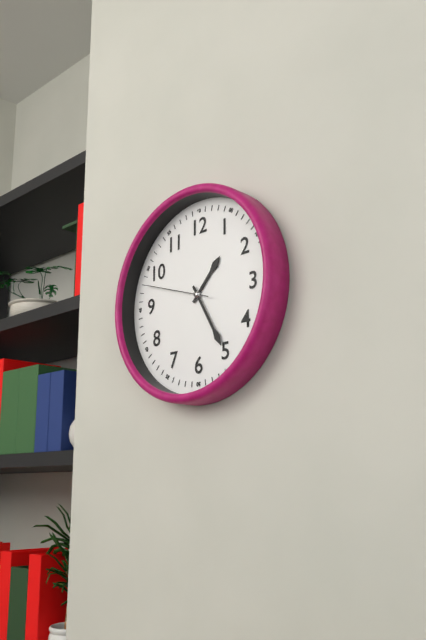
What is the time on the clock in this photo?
1:25:48
